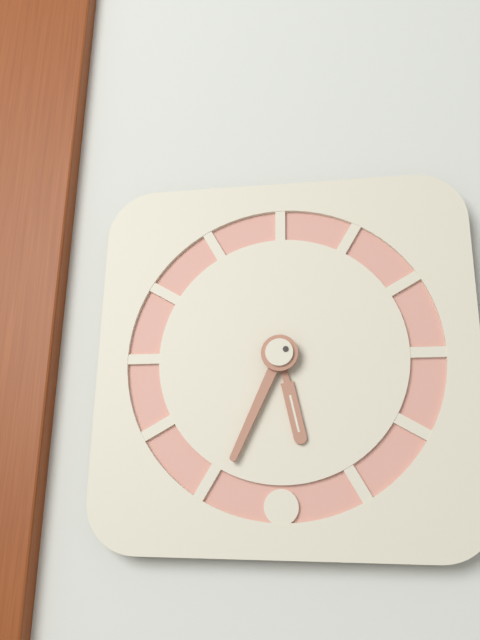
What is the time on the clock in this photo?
5:34
